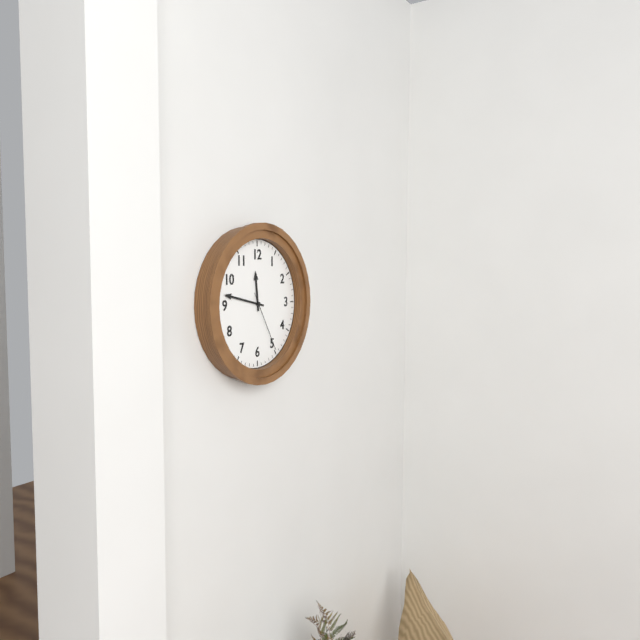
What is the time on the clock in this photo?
11:47:25
